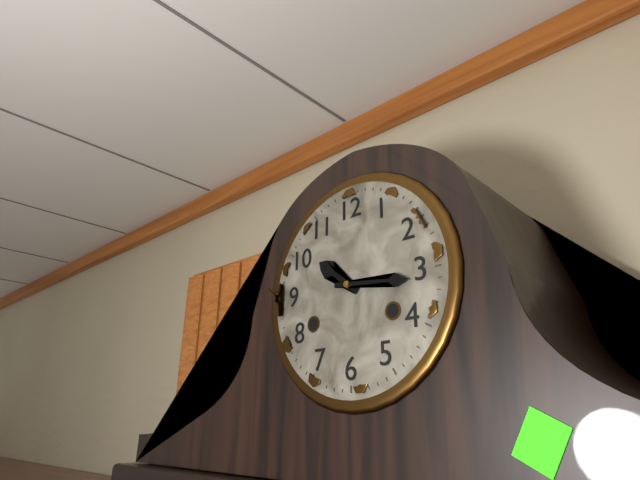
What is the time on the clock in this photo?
10:16
